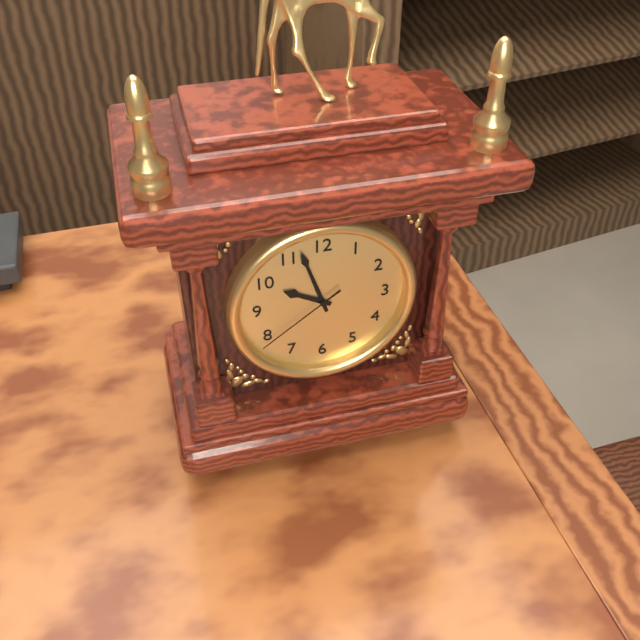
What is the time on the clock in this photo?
9:57:39
